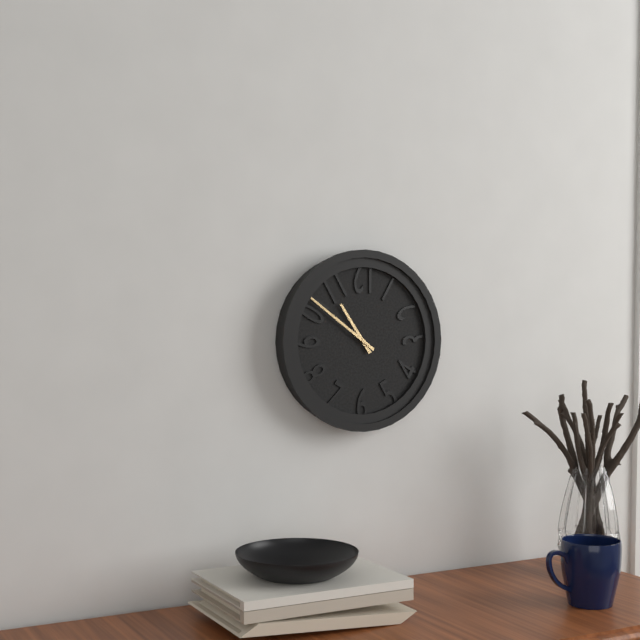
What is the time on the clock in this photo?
10:51
